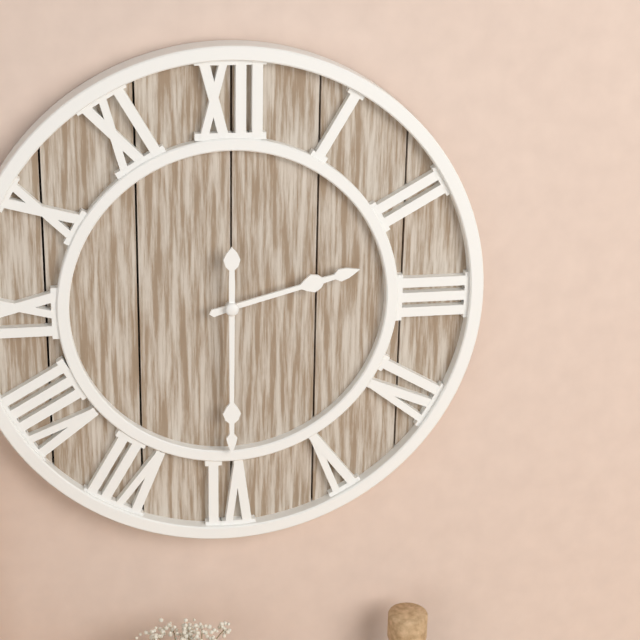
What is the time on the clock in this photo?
2:30
